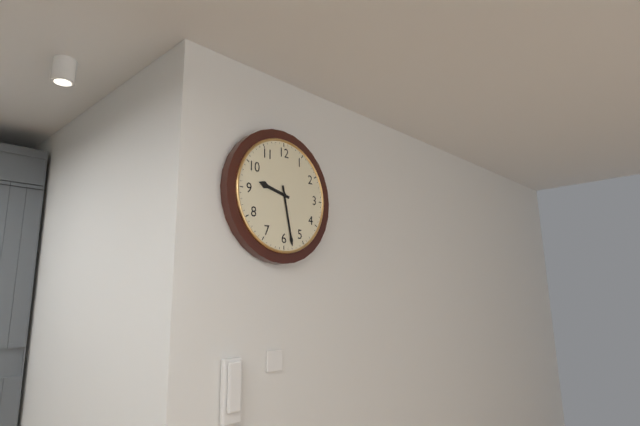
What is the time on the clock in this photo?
9:28
